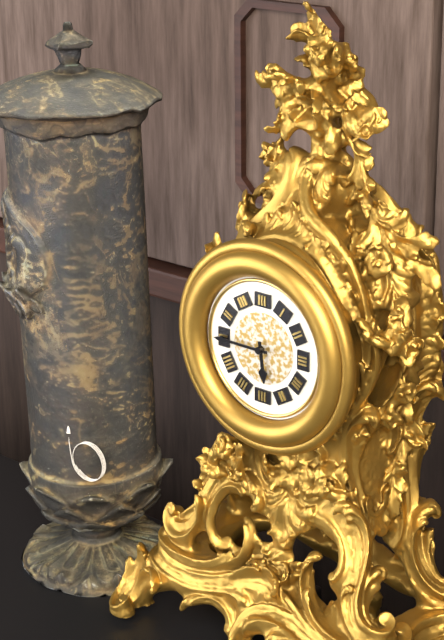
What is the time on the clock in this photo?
5:45
